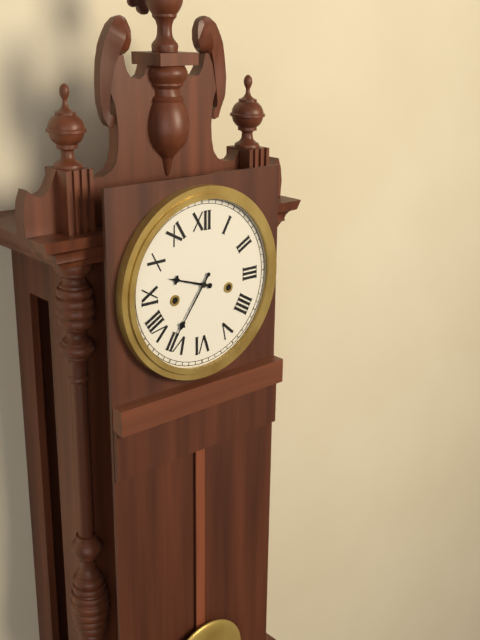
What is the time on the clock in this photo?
9:36
